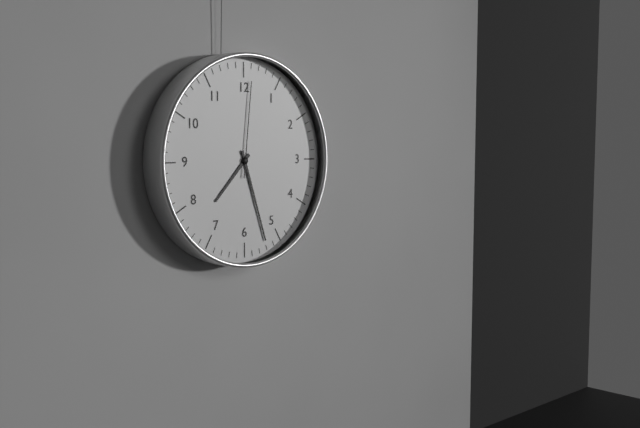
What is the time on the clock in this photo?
7:27:01
